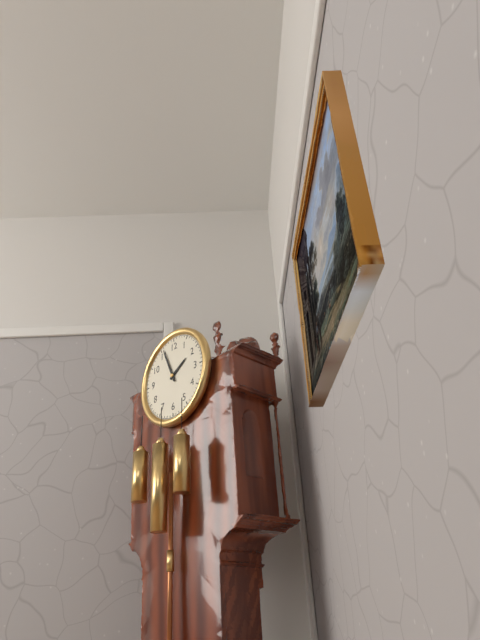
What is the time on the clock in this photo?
1:56
